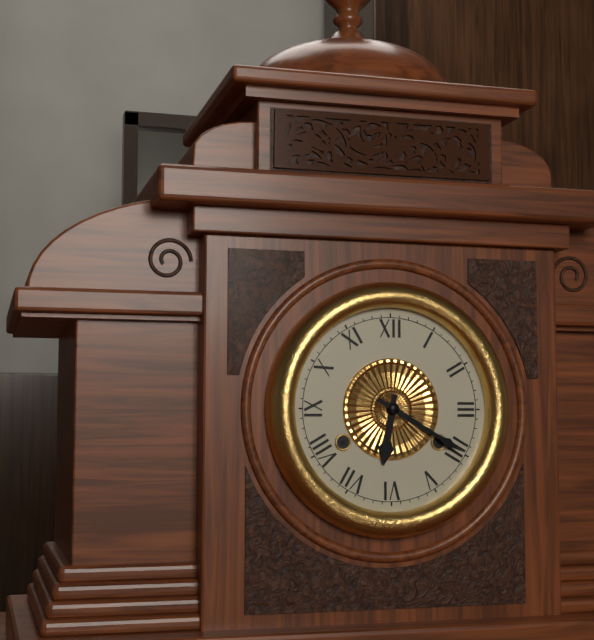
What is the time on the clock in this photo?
6:20
